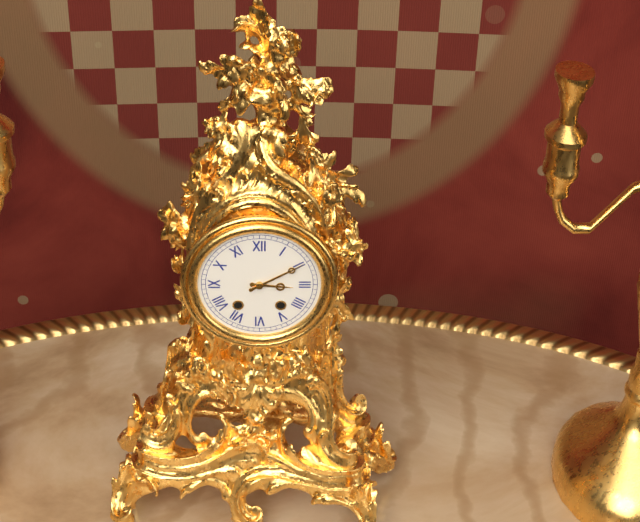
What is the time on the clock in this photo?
3:10
